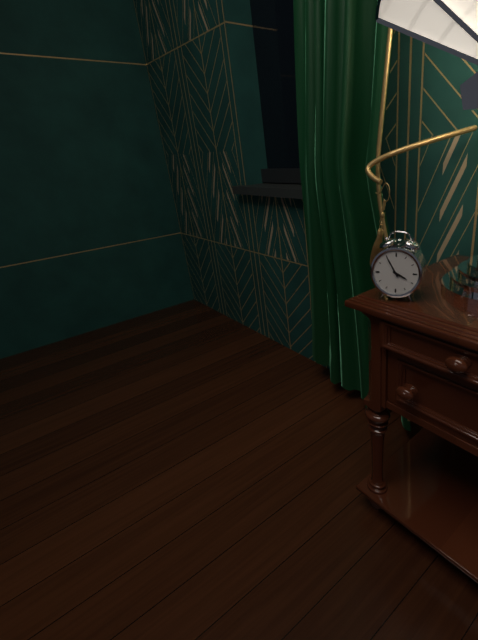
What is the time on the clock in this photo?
3:55
